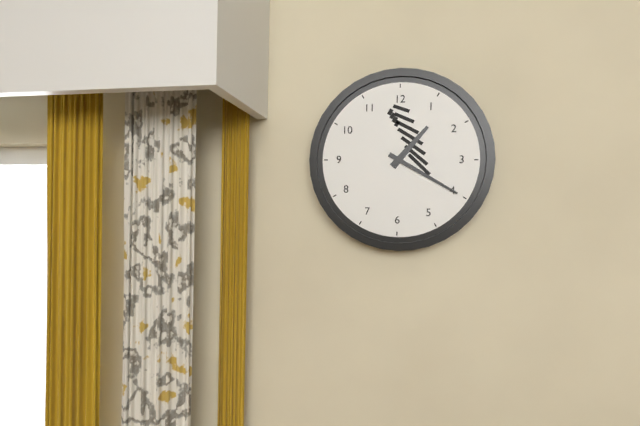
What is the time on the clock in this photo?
1:20
